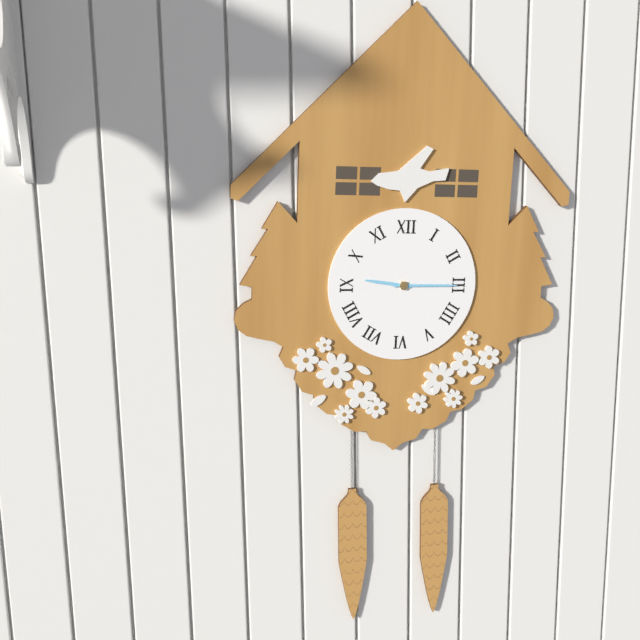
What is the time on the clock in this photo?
9:15
